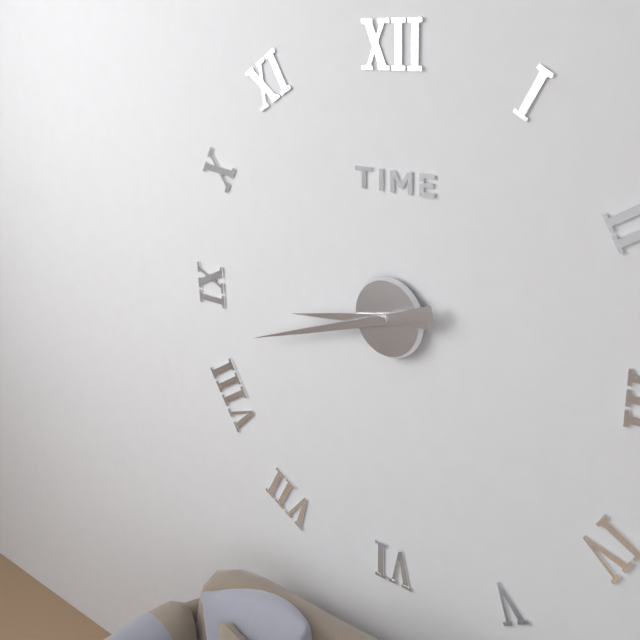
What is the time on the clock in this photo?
8:42
